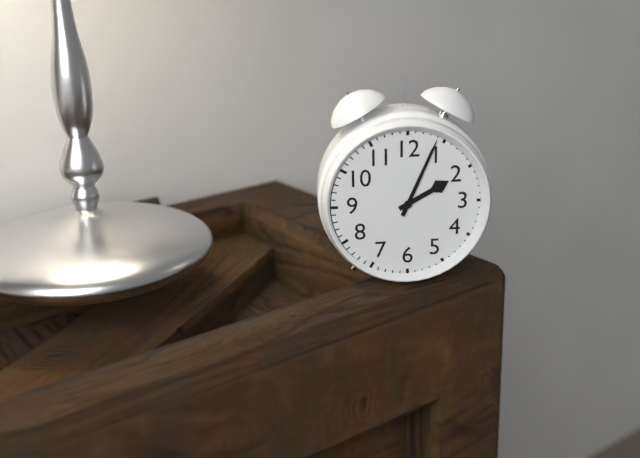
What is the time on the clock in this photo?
2:04
